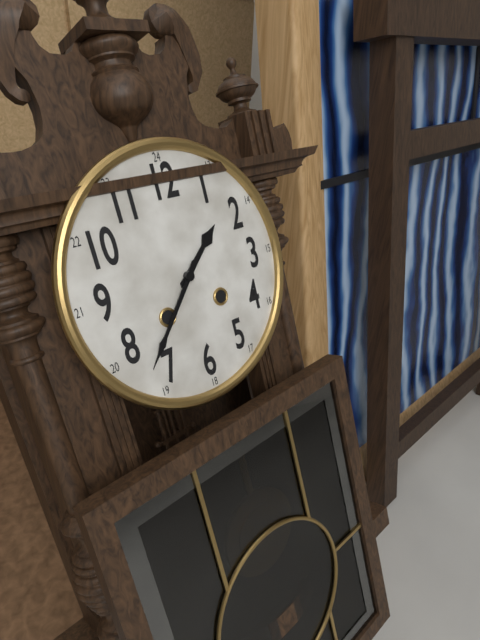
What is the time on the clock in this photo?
1:37
